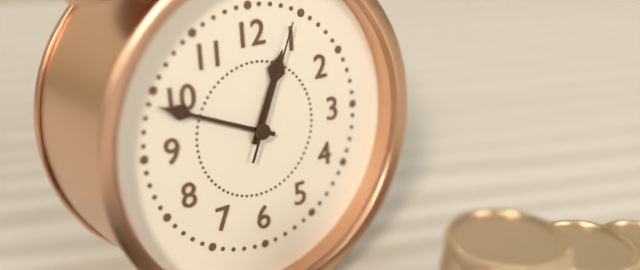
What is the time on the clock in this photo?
12:49:04
